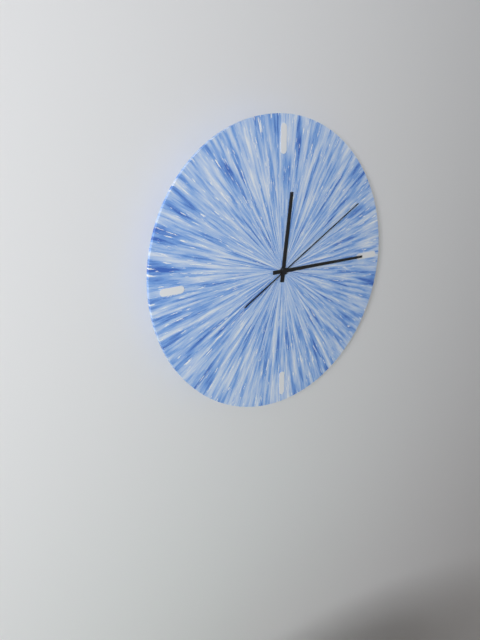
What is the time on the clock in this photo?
12:15:10
